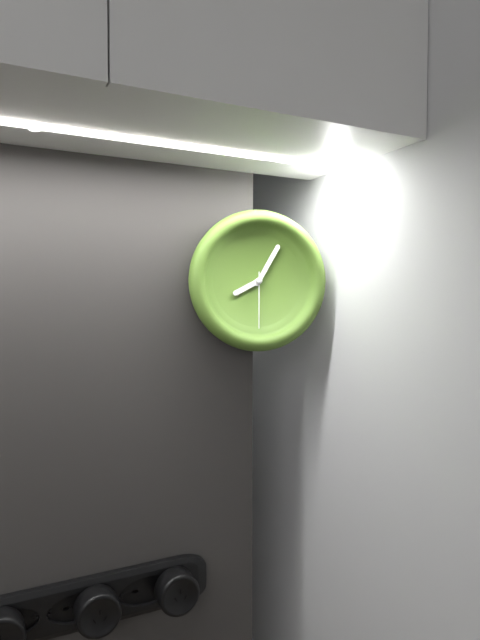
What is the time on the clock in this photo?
8:05:30
